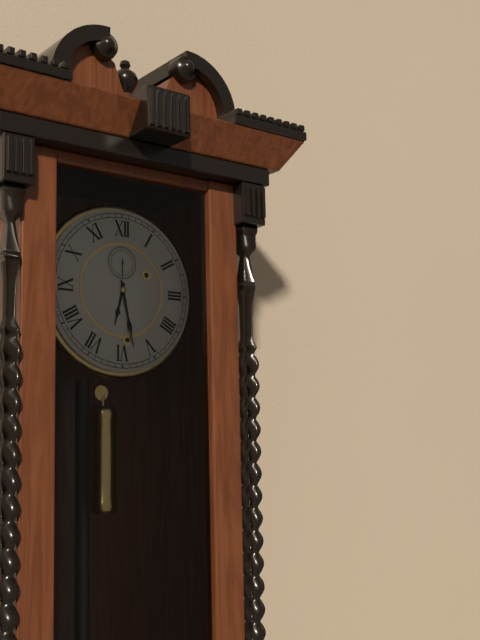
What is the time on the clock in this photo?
6:28
